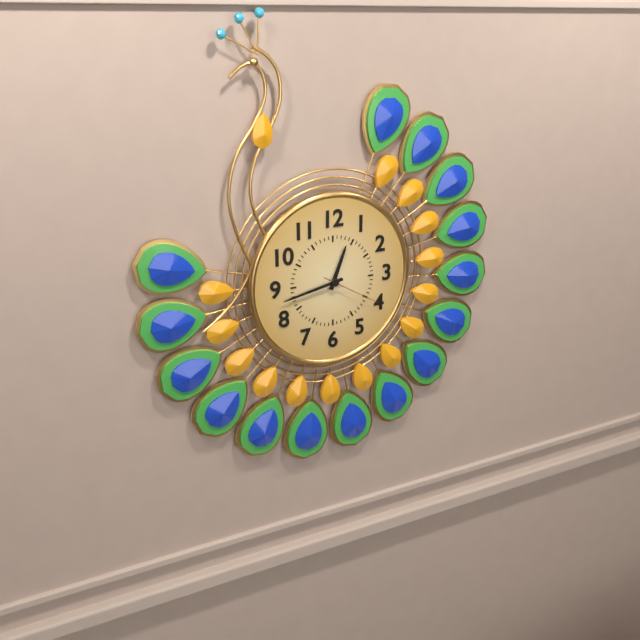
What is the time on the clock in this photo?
12:43:20
